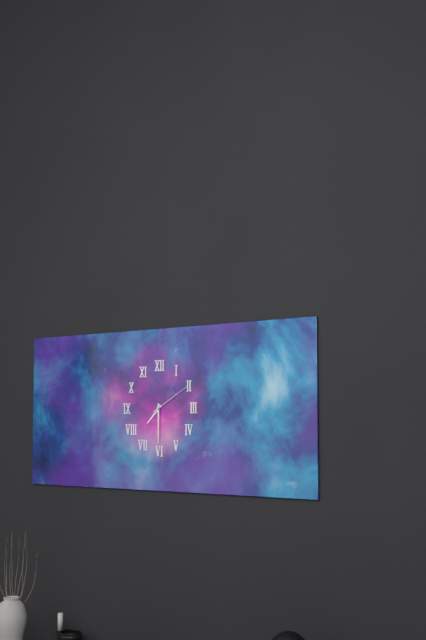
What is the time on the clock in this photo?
7:30
